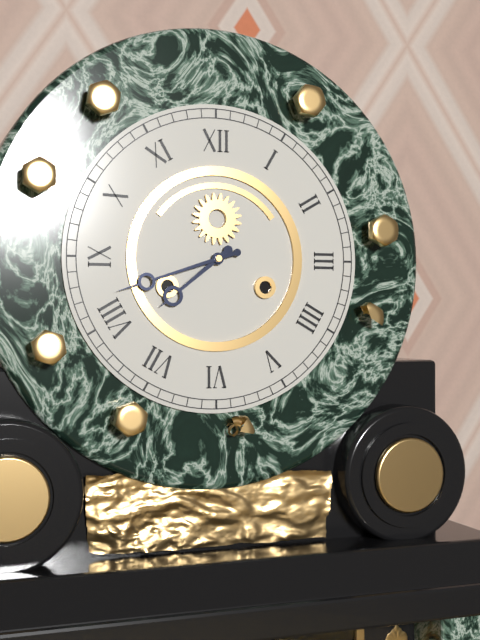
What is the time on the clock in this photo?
7:42
